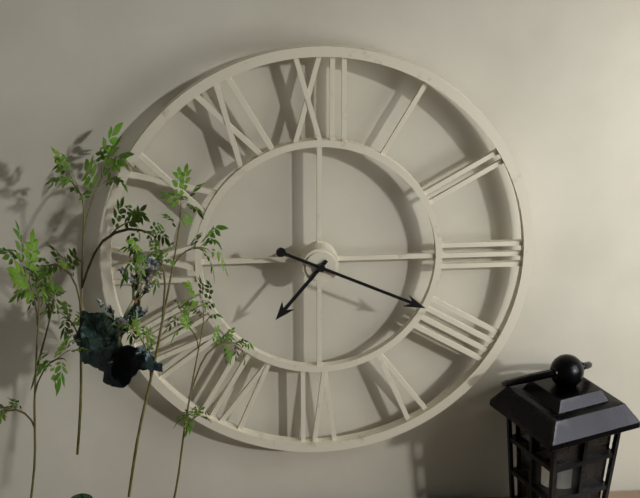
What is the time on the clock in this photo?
7:19
